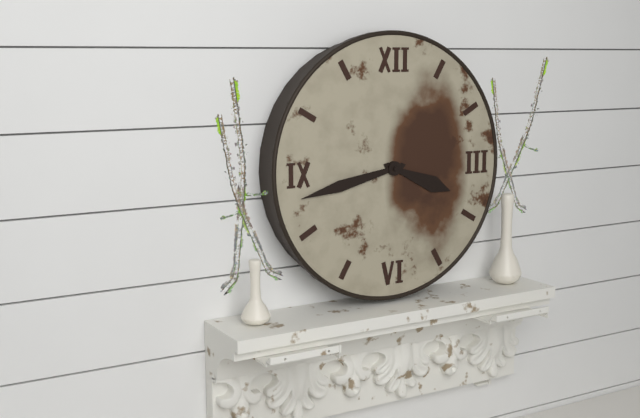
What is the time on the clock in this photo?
3:43
